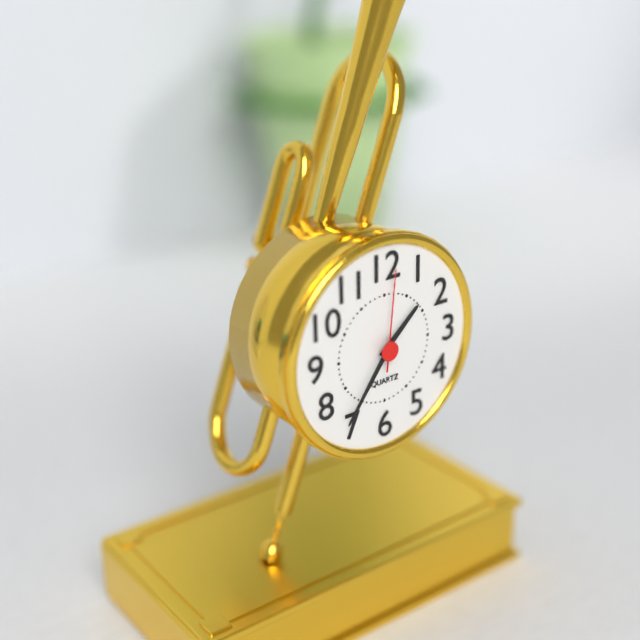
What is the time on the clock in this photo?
1:36:01
